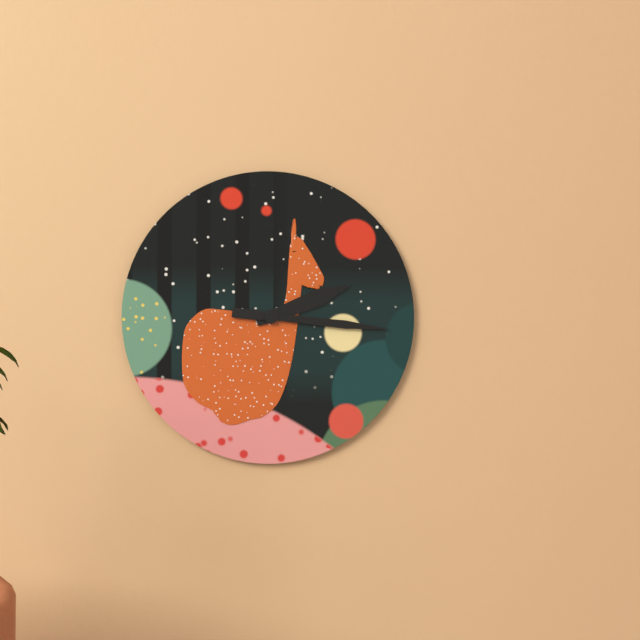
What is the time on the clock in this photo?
2:16
